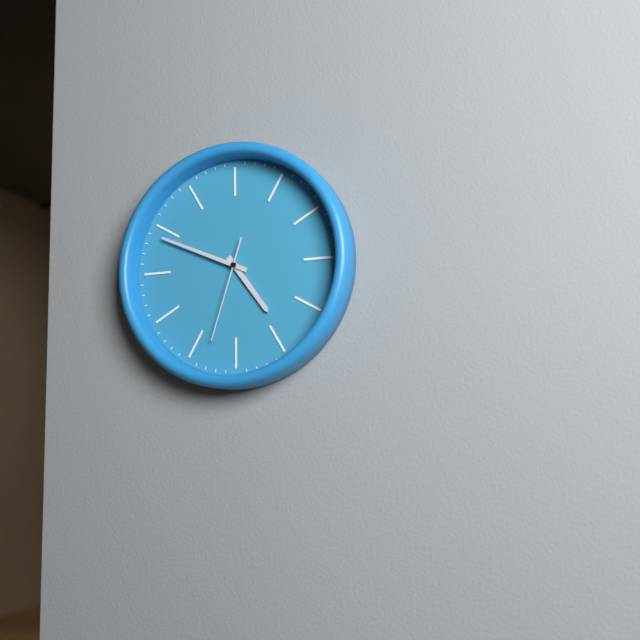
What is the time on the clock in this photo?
4:49:33
